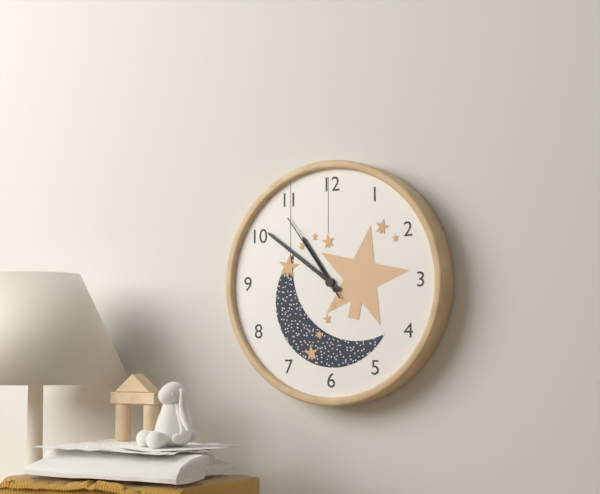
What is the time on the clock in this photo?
10:51:54
